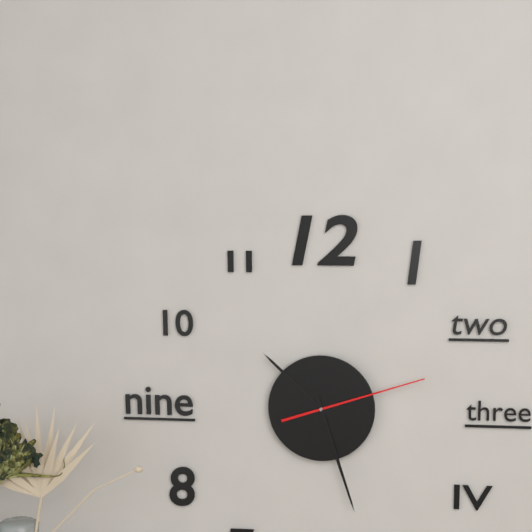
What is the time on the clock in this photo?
10:27:12
